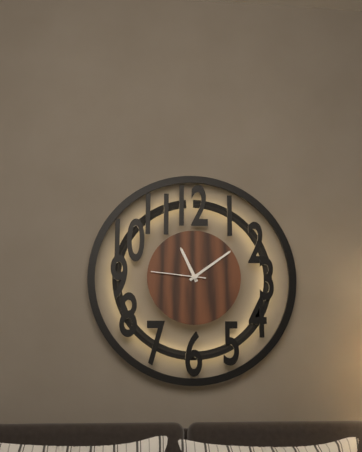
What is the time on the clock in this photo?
11:09:46
